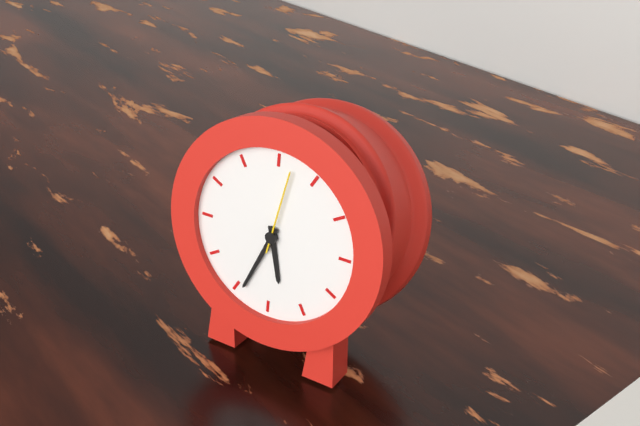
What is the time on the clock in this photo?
5:34:02
